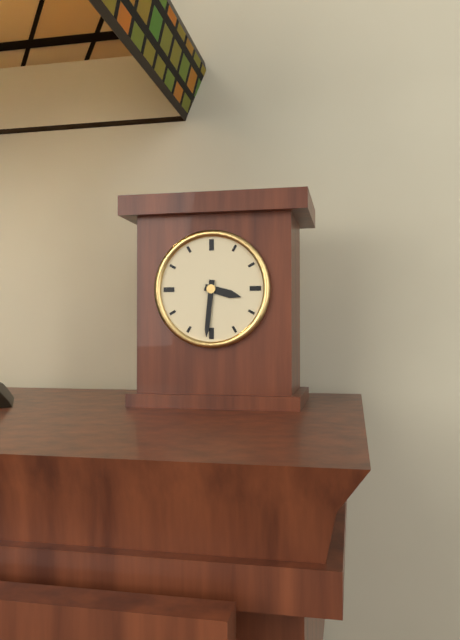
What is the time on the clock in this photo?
3:31
